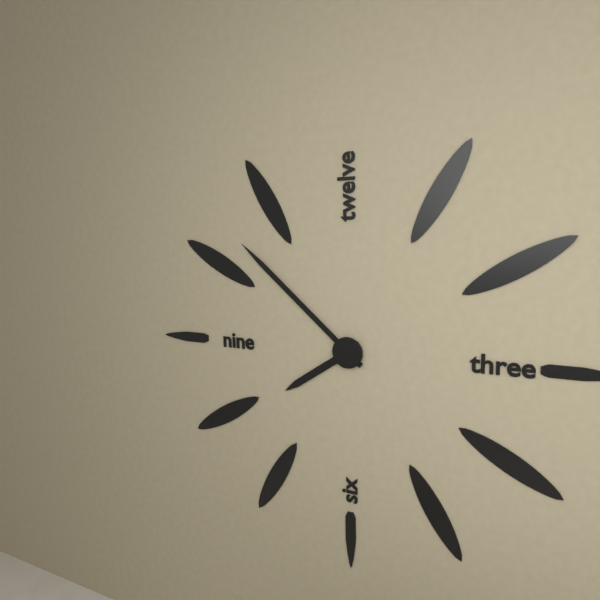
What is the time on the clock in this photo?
7:52
